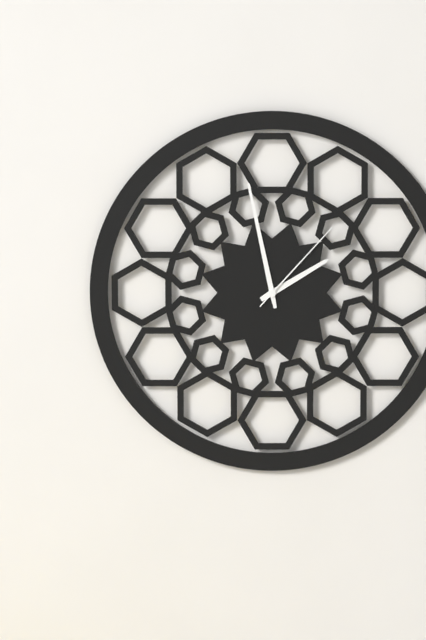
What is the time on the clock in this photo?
1:58:07
